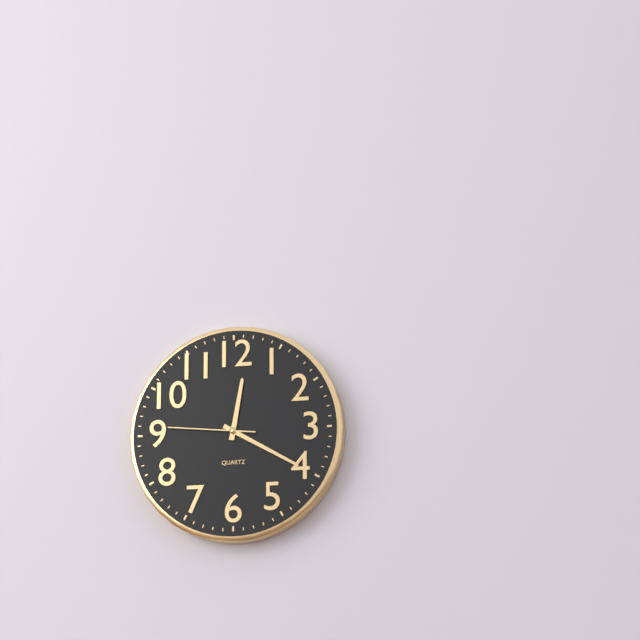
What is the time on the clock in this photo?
12:20:46
